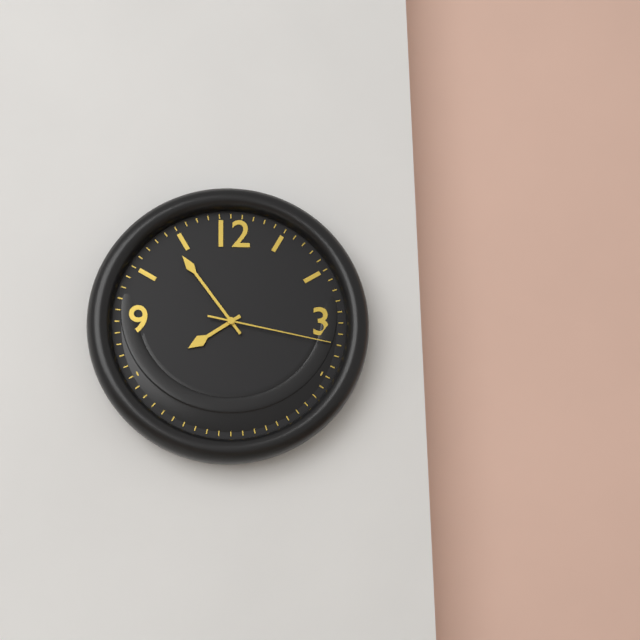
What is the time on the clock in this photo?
7:54:17
